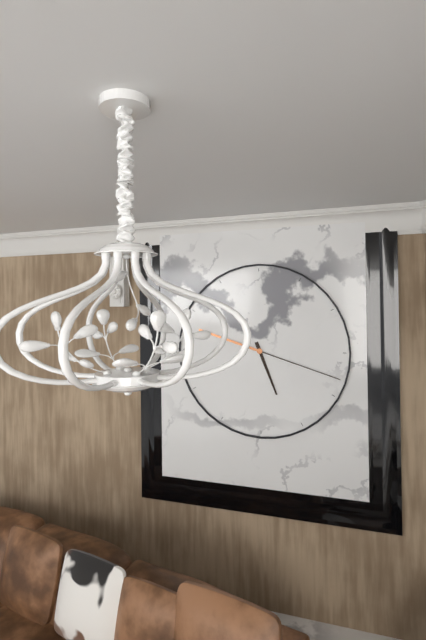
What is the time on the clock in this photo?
5:18
